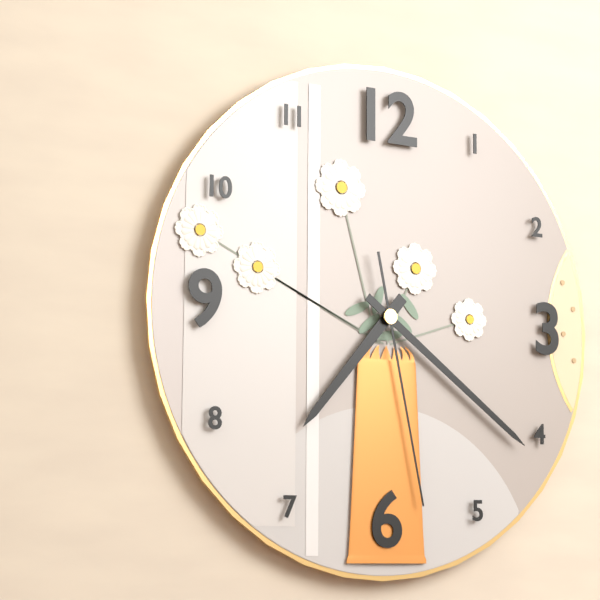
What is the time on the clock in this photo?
7:21:28
